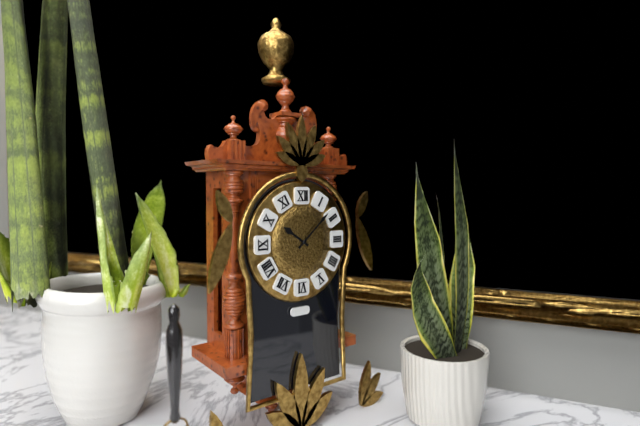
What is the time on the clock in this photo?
10:08
